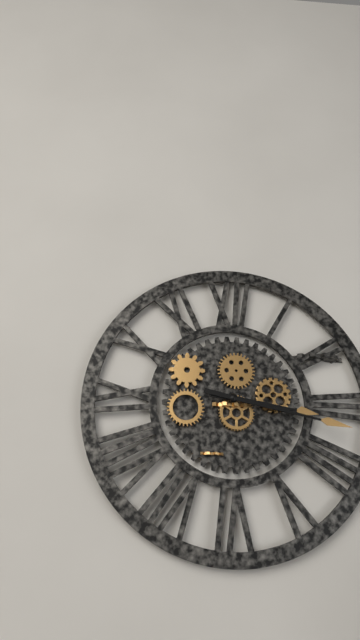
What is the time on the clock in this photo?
3:17
